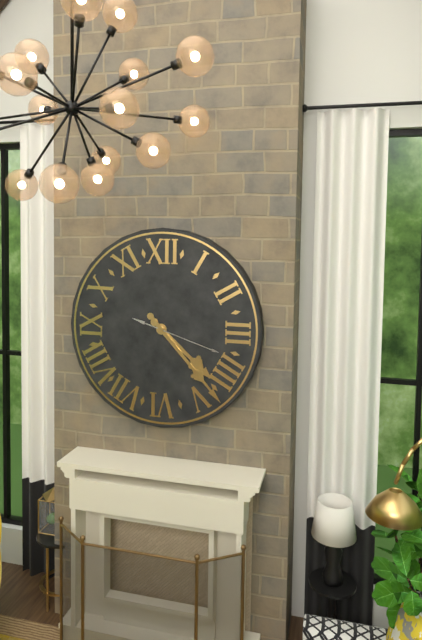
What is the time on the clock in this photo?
4:23:18
